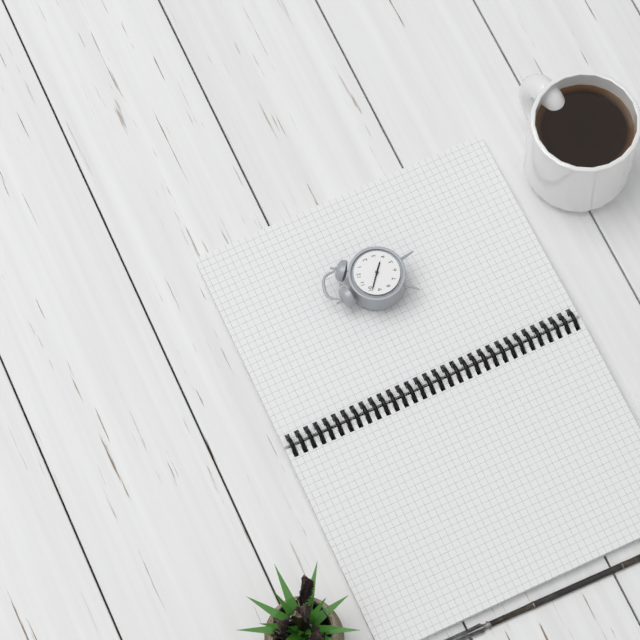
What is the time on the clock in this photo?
3:49
